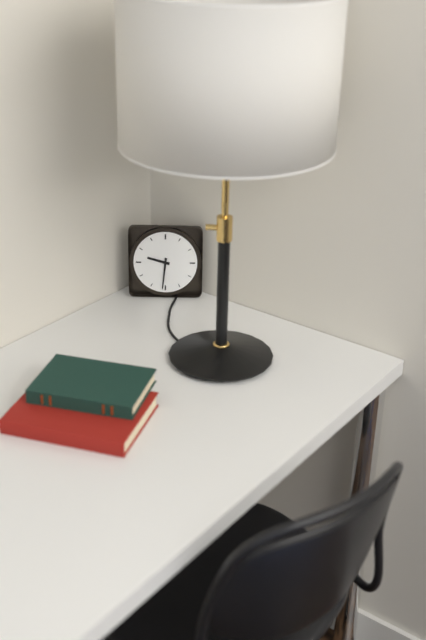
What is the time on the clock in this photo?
9:31
